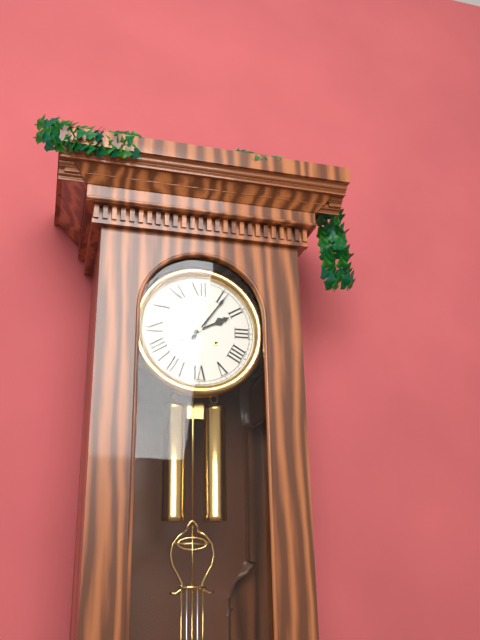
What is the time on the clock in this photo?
2:06
